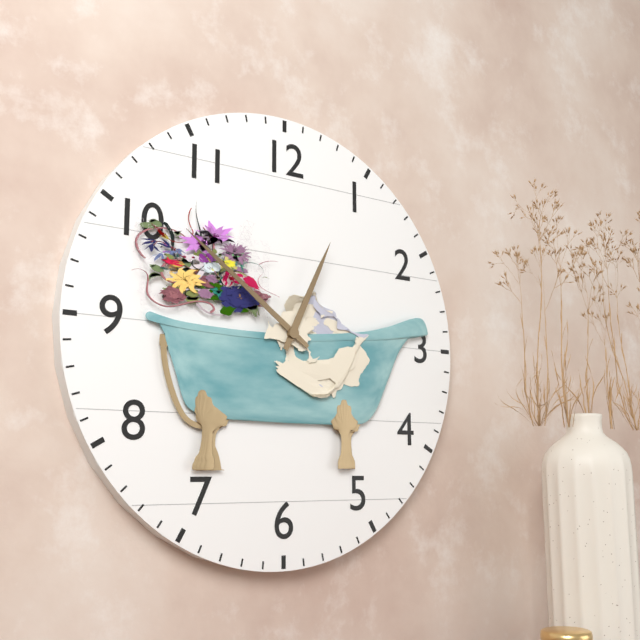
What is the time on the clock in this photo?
12:51
